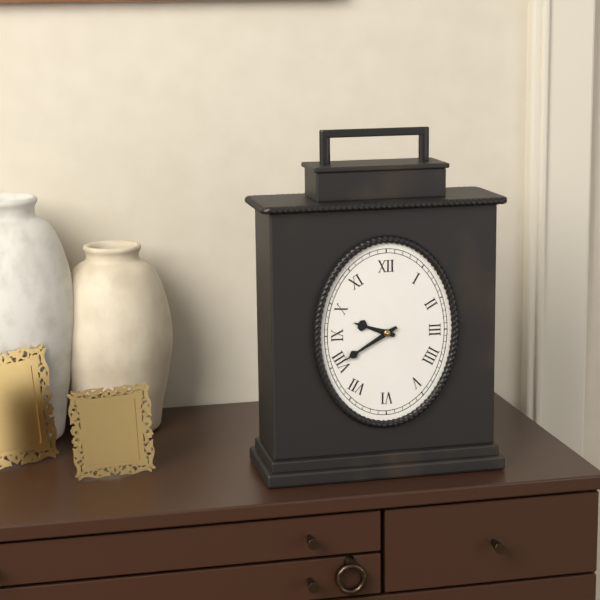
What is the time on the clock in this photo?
9:40
